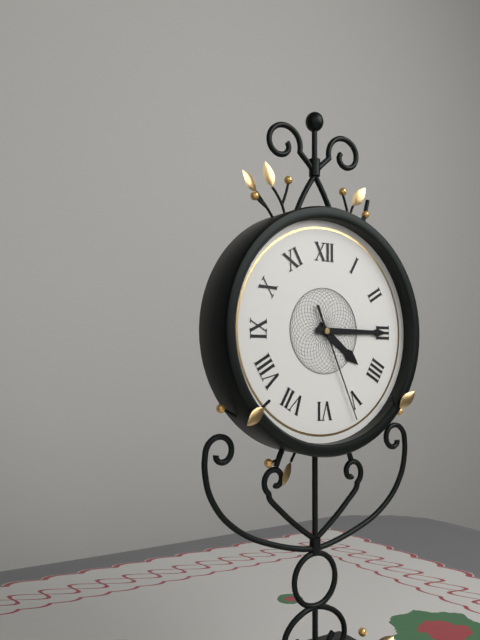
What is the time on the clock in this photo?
4:15:26
